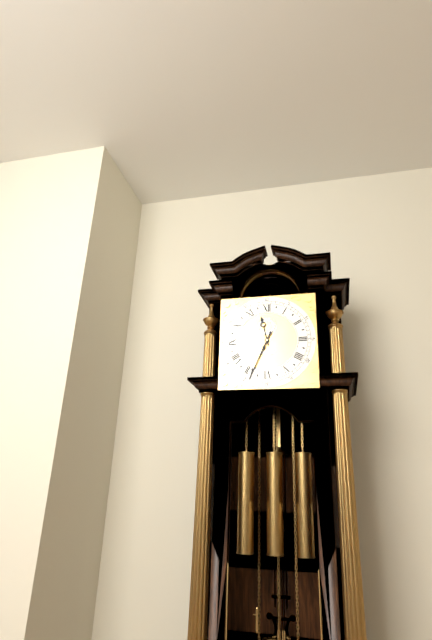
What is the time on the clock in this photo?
11:34
